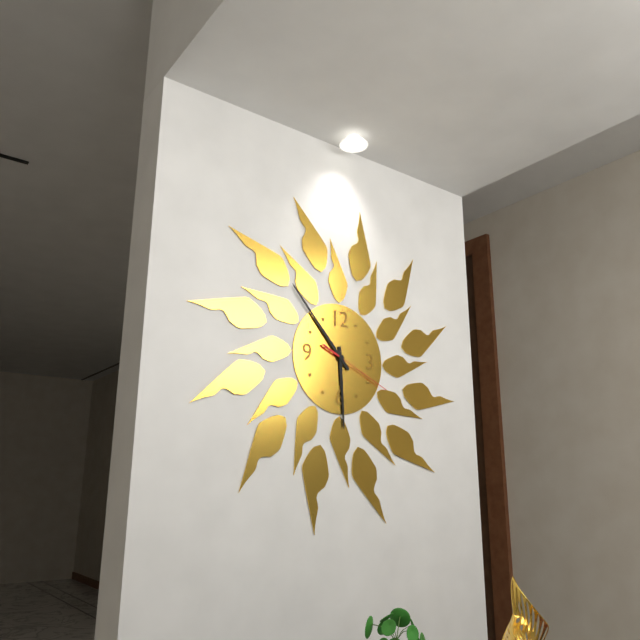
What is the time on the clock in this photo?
5:53:19
